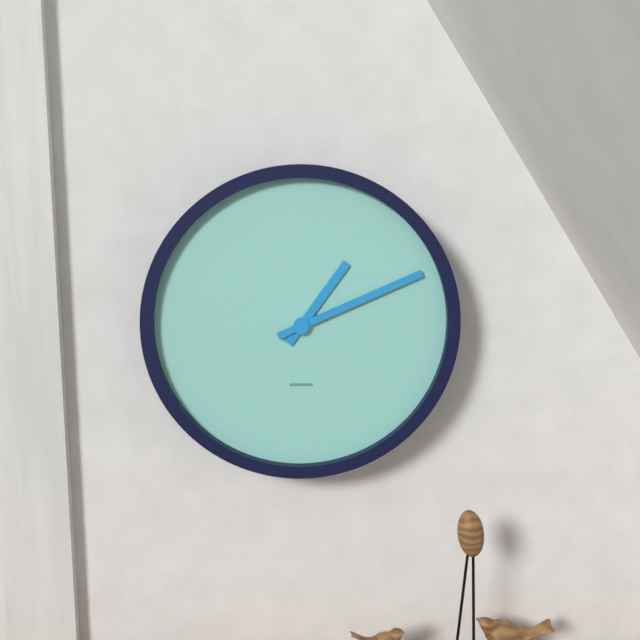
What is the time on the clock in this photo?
1:11
